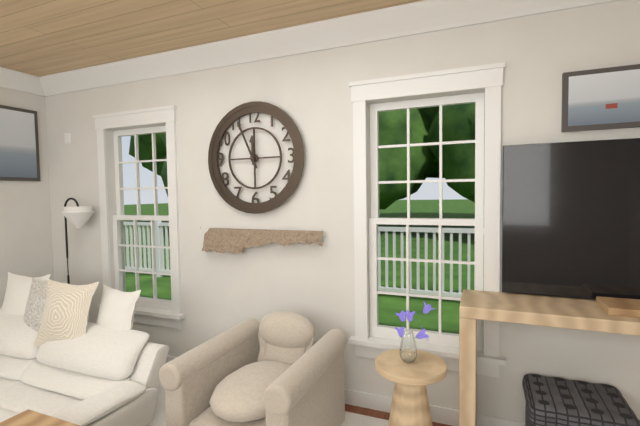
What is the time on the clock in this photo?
11:56
